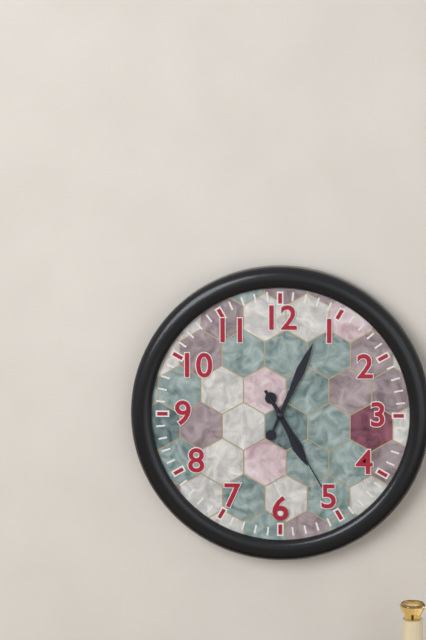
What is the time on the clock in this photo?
5:04:25
